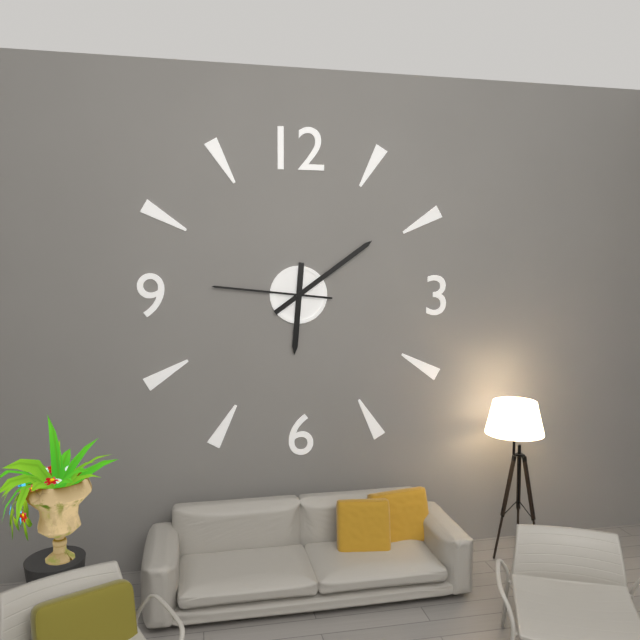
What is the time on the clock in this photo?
6:09:46
